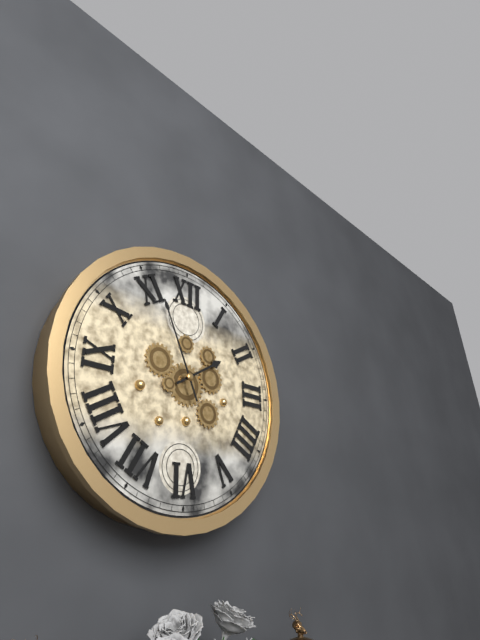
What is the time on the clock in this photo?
1:56
